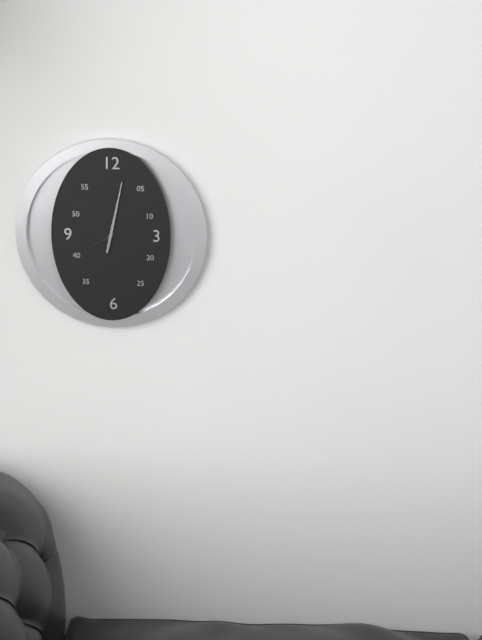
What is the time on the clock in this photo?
8:02
